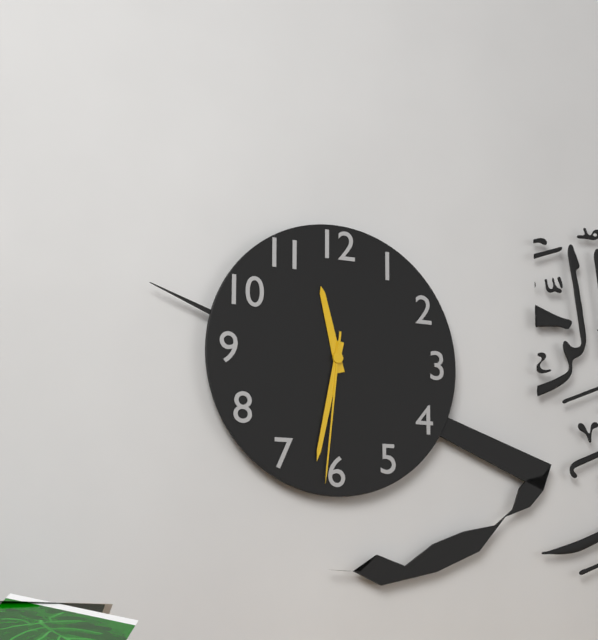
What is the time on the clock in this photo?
11:32:31
